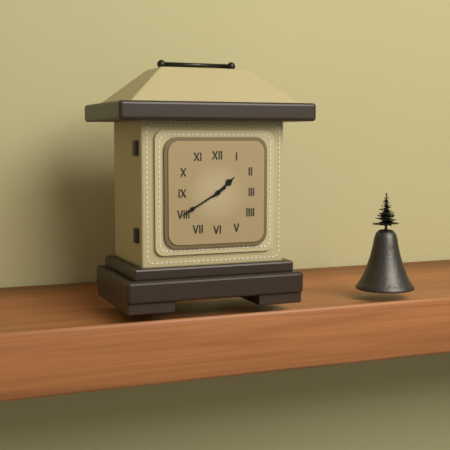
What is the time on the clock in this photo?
1:40
